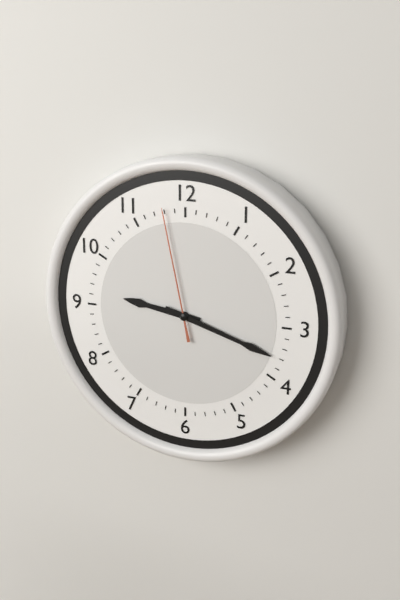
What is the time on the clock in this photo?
9:18:58
